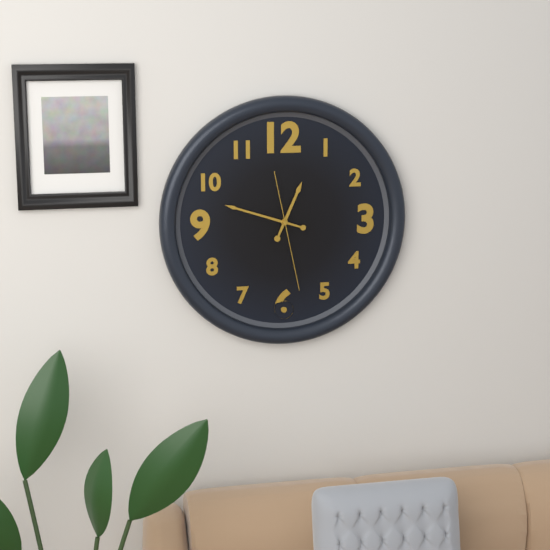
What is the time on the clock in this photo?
12:48:28
